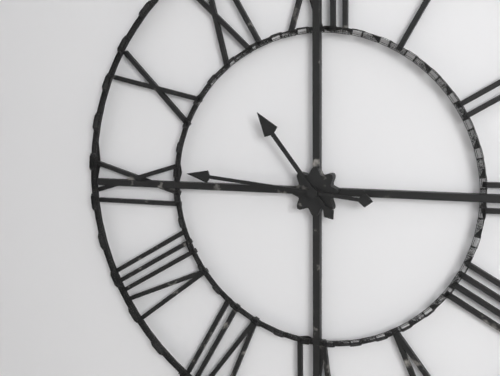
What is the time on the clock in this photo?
10:46
